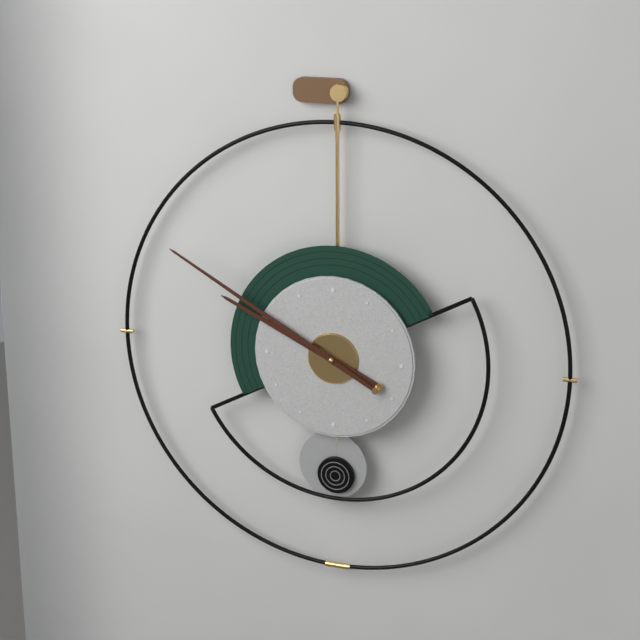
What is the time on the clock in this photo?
9:50
